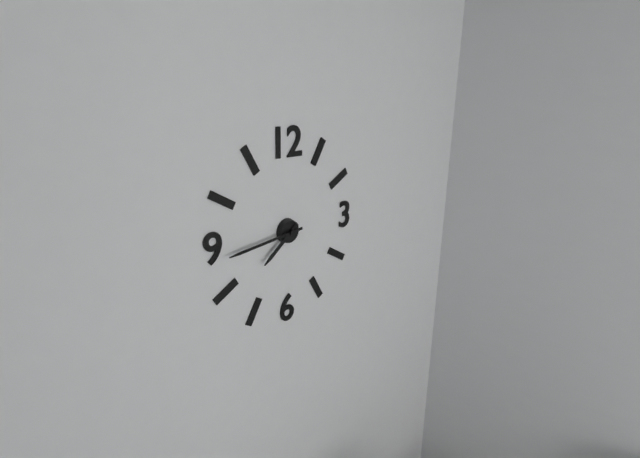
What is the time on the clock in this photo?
7:44
